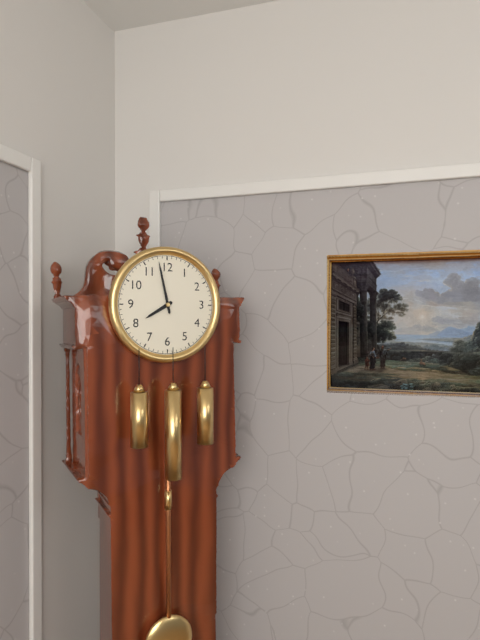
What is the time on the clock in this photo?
7:58
